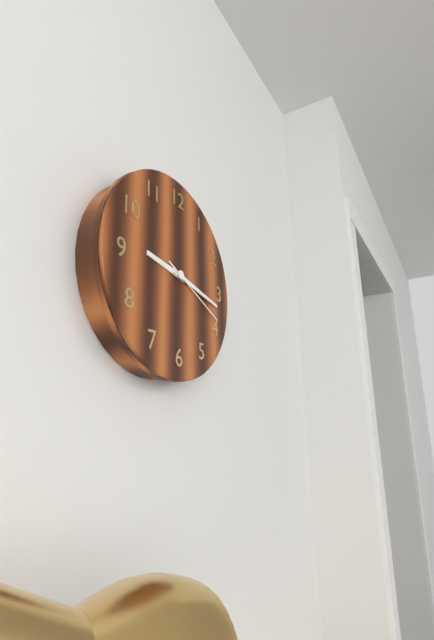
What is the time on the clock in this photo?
9:17:19
